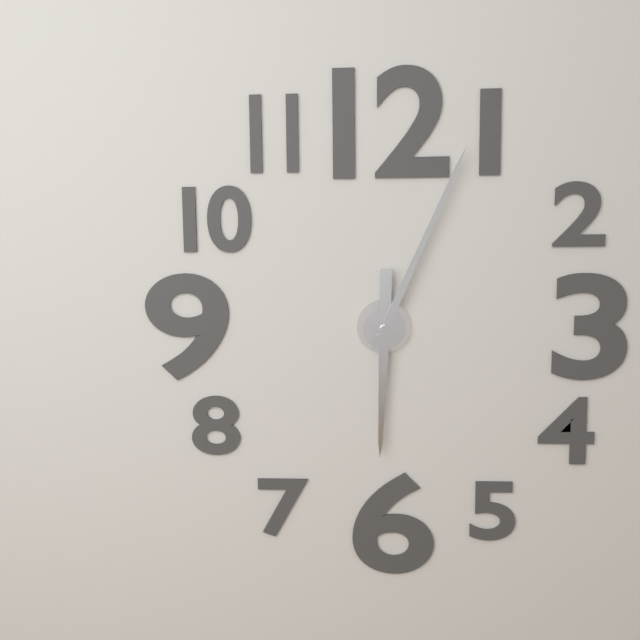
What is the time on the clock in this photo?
6:04
